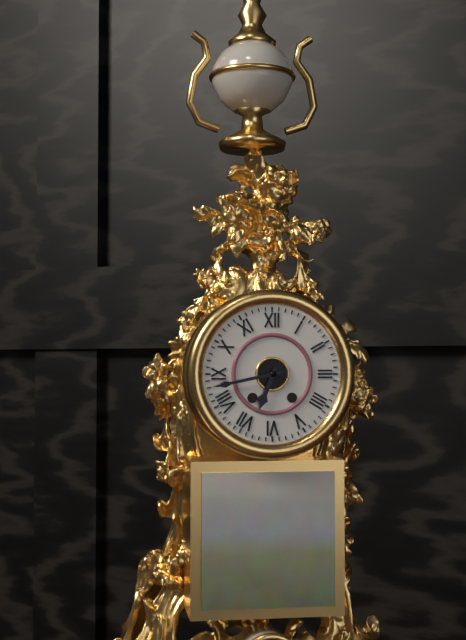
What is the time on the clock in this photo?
6:43
